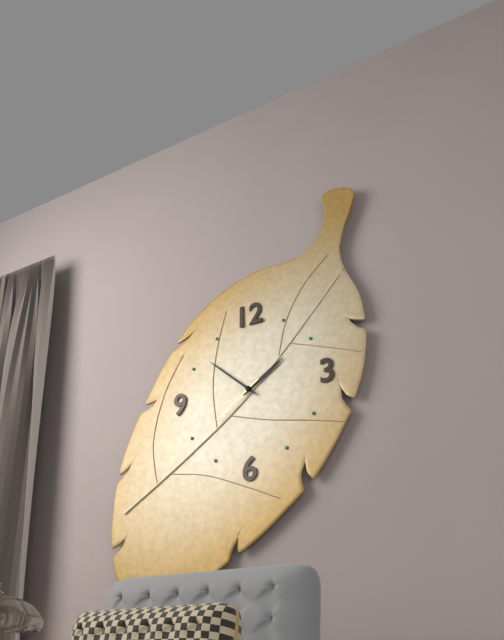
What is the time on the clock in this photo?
1:52:39
